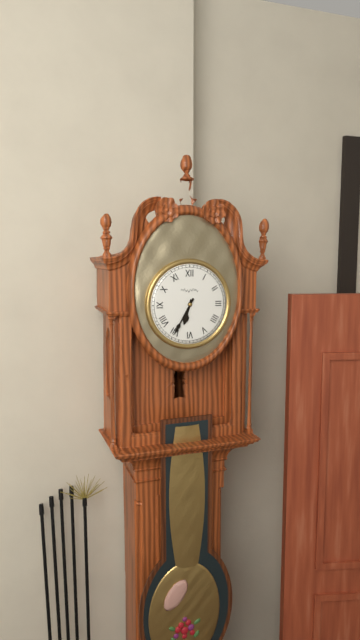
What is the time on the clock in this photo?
6:35
